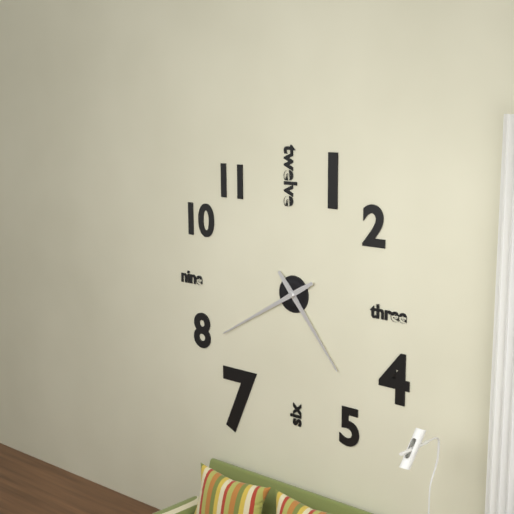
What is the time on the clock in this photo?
4:40
